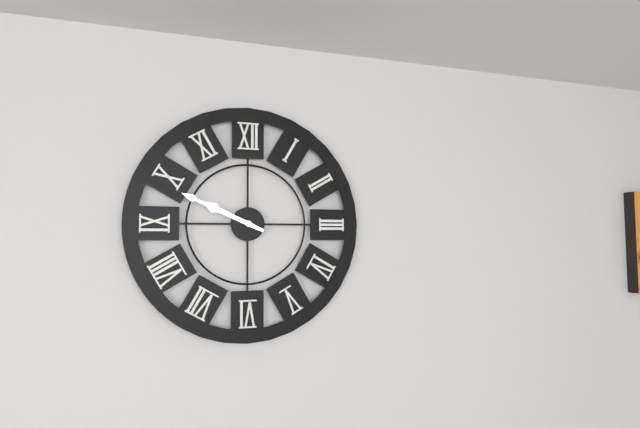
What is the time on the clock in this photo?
9:49
